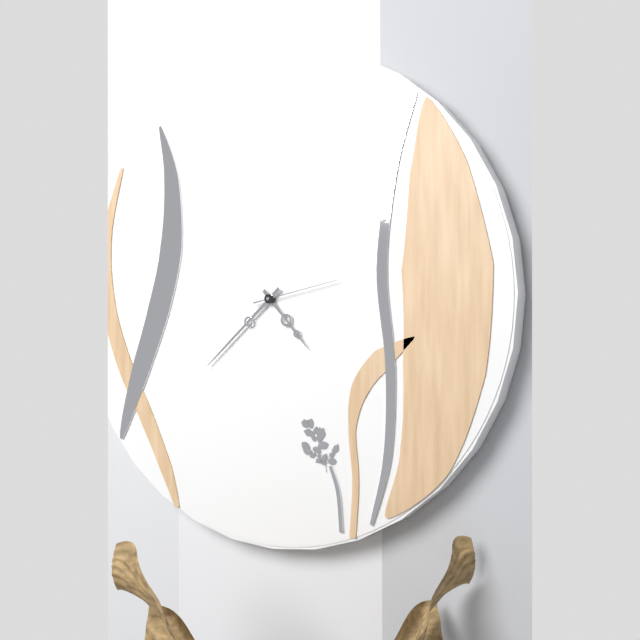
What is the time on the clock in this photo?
4:38:13
